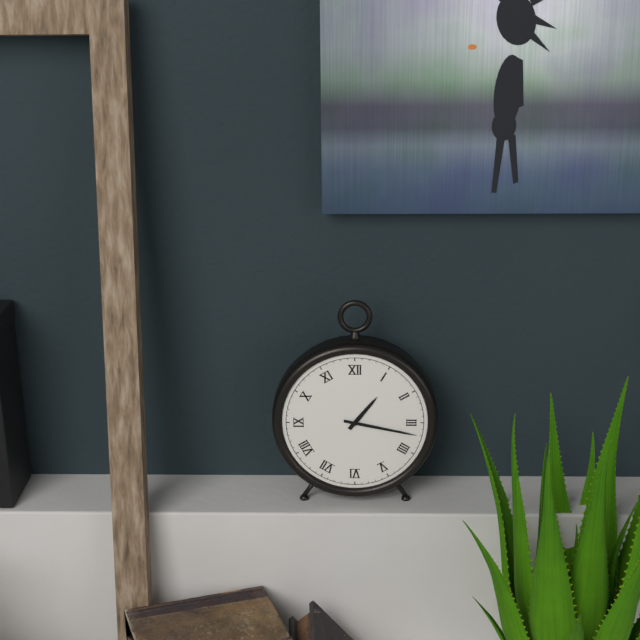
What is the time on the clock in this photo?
1:17
